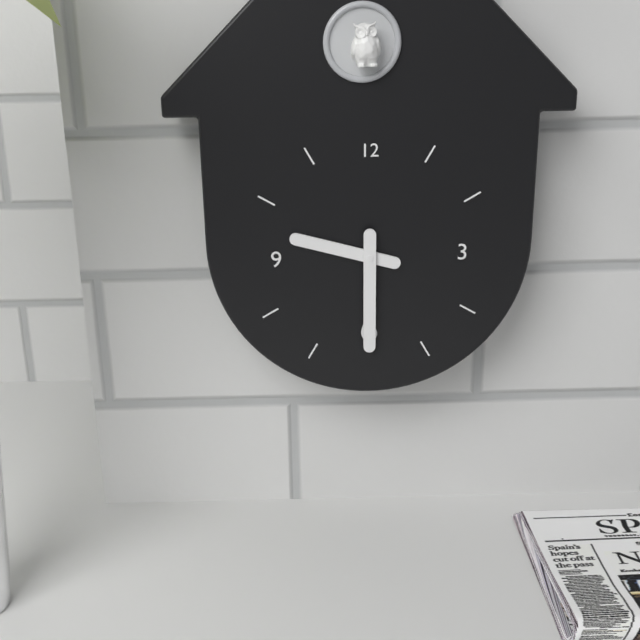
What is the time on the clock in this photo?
9:30
